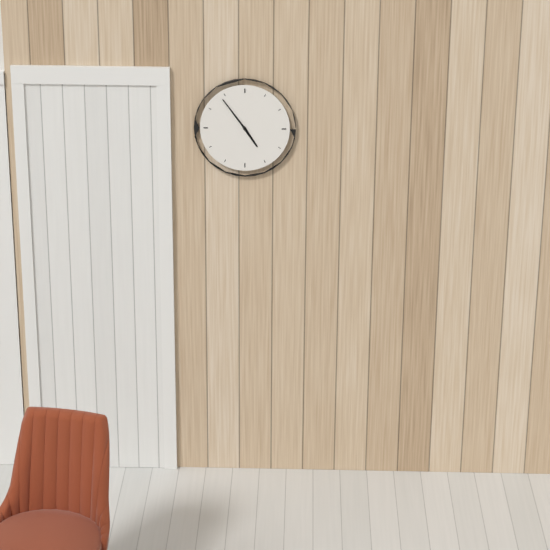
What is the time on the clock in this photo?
4:54
